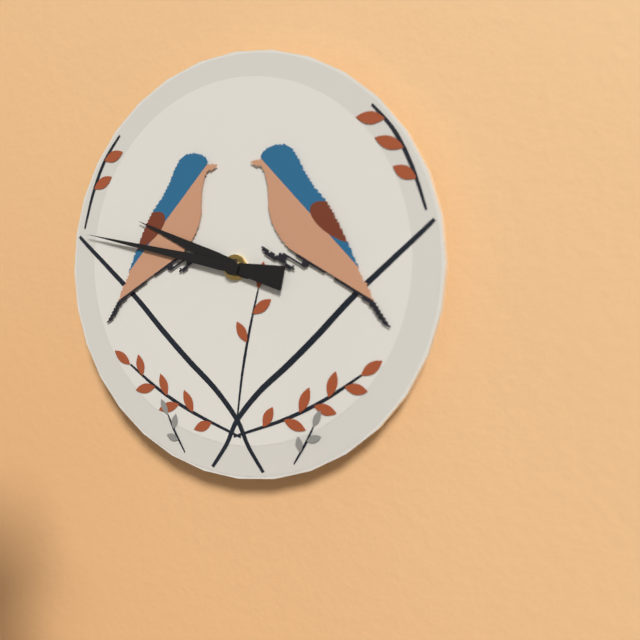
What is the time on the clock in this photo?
9:47
